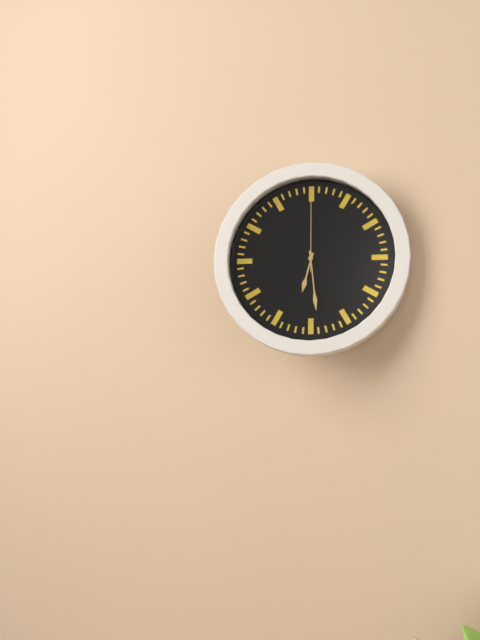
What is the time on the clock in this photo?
6:29:00
